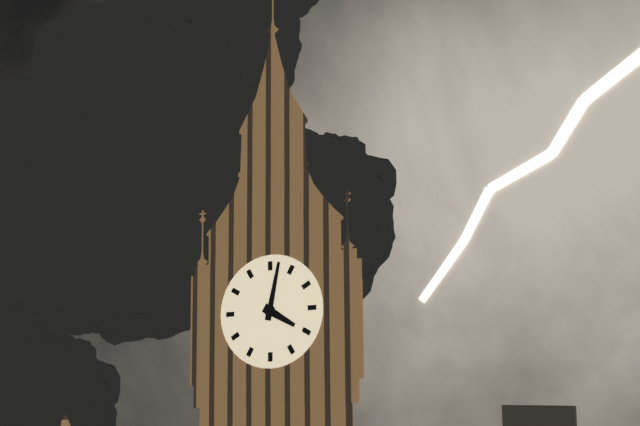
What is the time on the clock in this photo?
4:02
